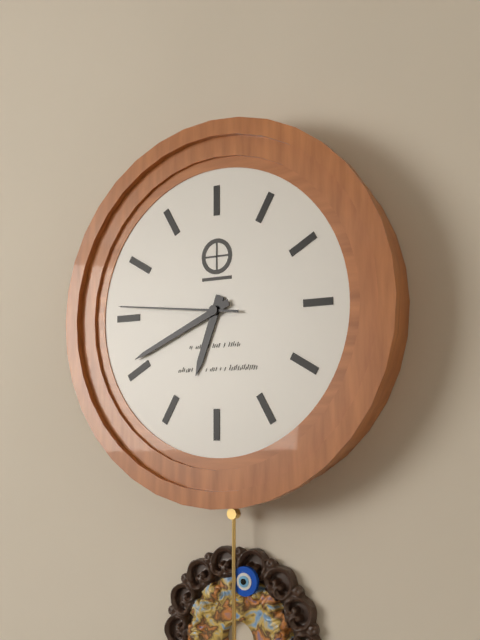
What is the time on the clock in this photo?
6:41:46
